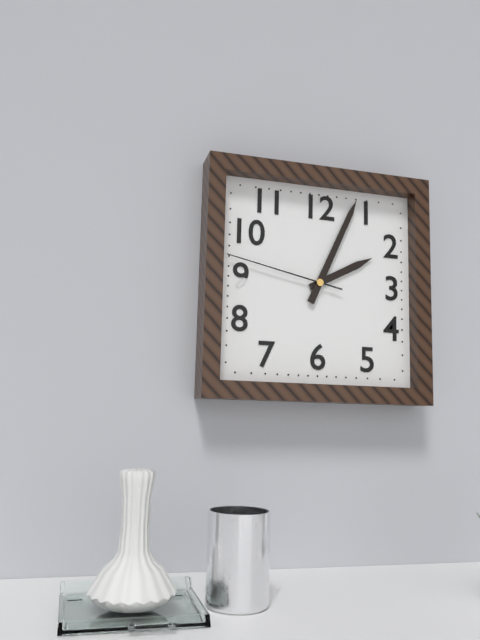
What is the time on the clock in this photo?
2:04:47
